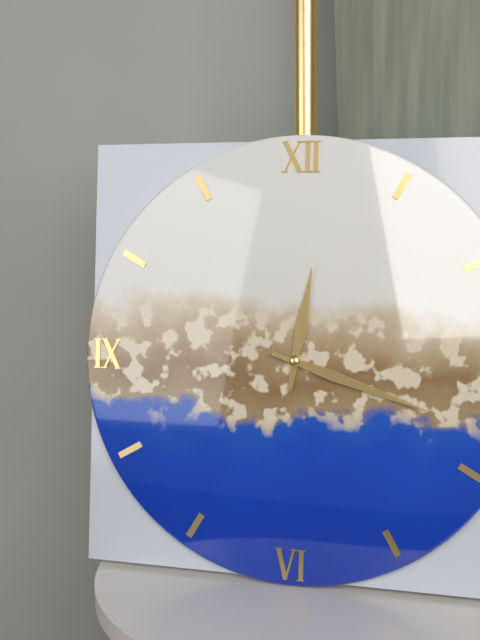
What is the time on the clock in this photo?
12:18
